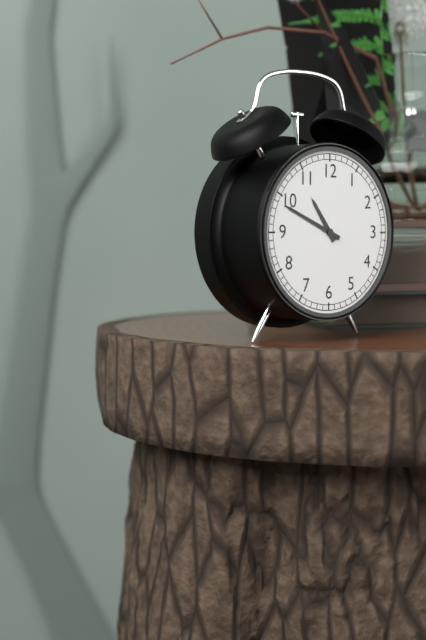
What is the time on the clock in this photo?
10:49
